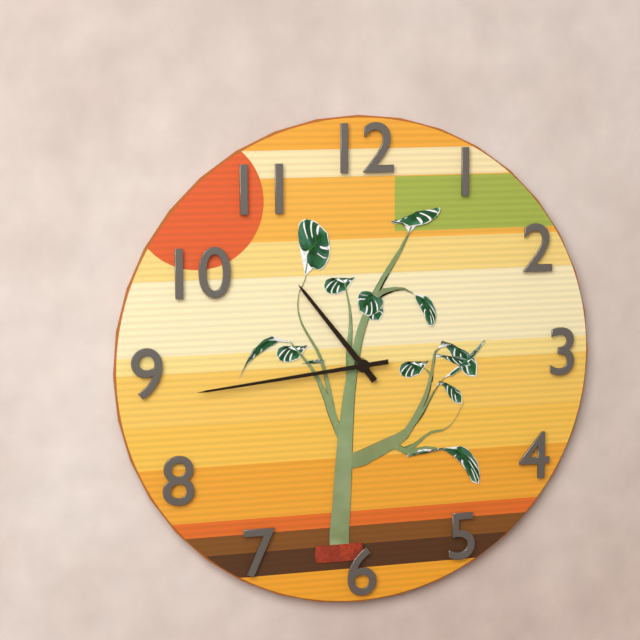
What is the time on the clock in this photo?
10:44
